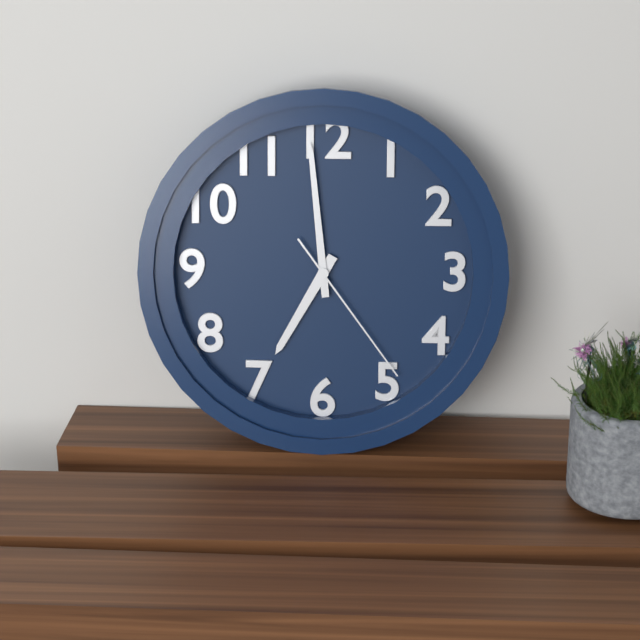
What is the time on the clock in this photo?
6:59:24
